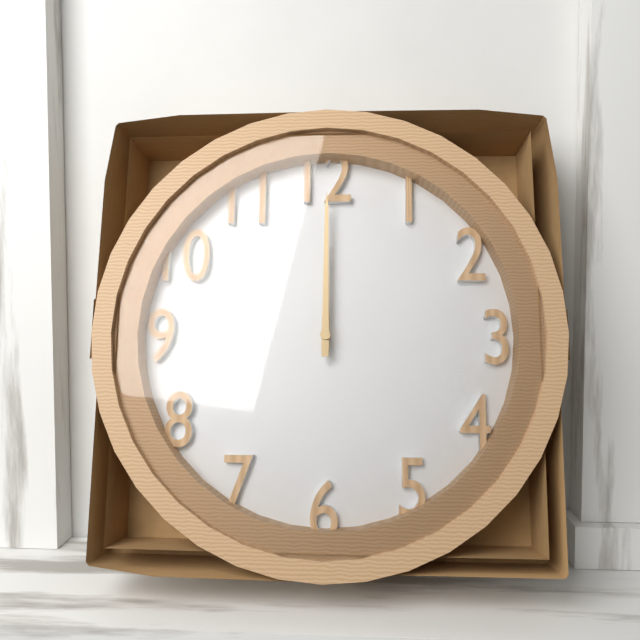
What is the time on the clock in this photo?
12:00
